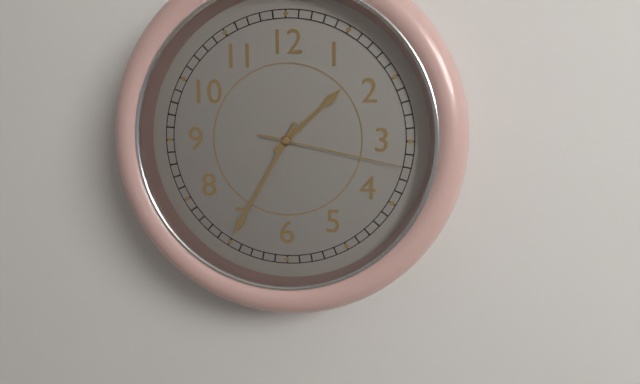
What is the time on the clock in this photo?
1:35:17
